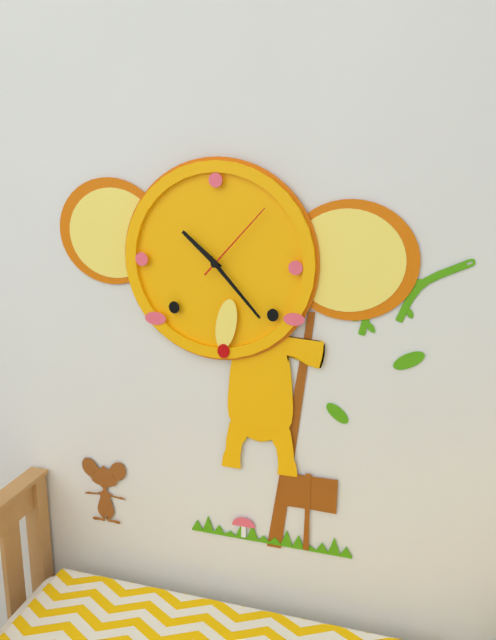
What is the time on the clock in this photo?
10:23:07
